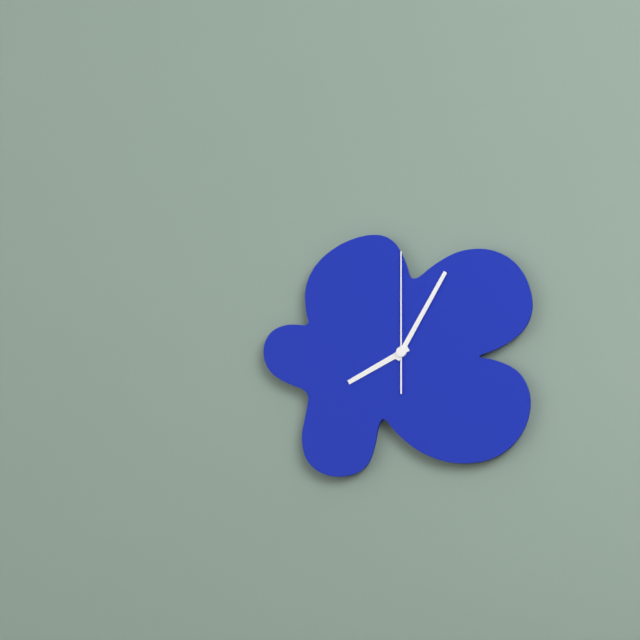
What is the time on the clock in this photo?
8:05:00
